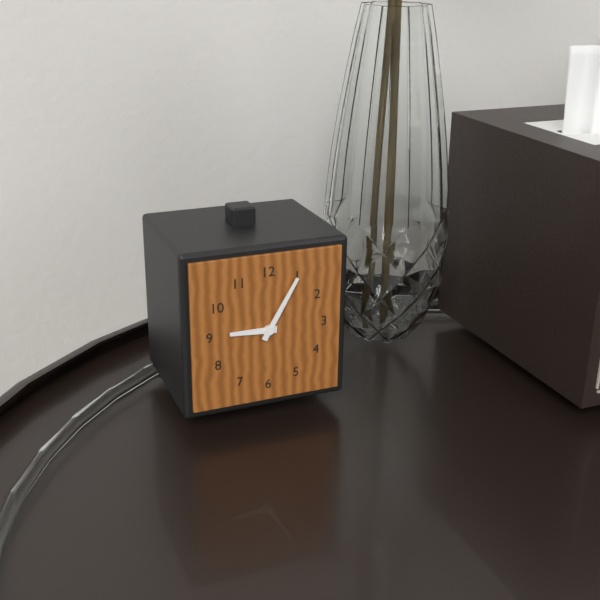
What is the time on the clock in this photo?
9:05
